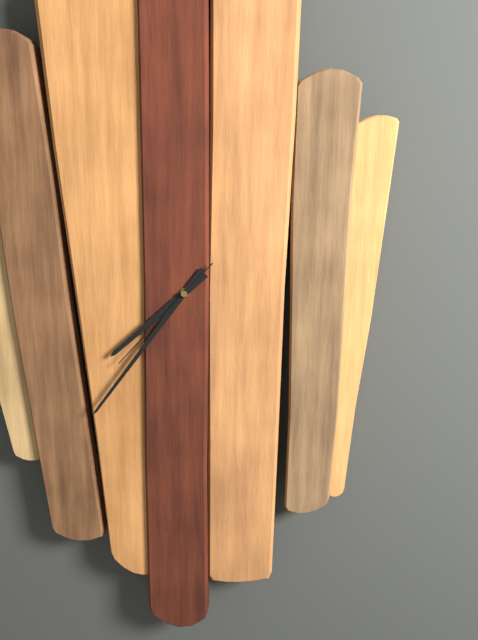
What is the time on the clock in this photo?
7:36:37
